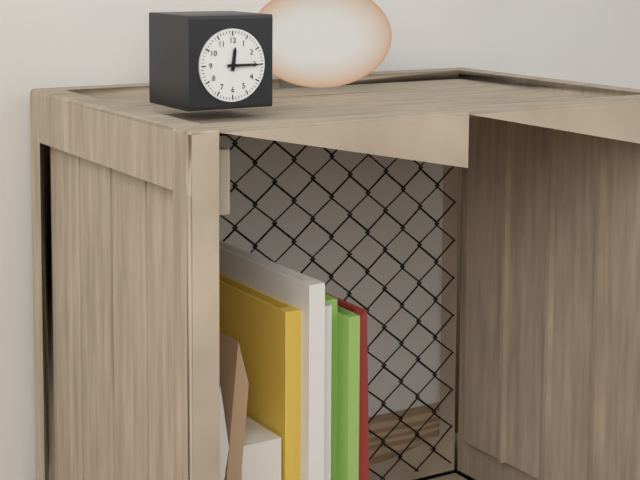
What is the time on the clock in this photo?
12:15
